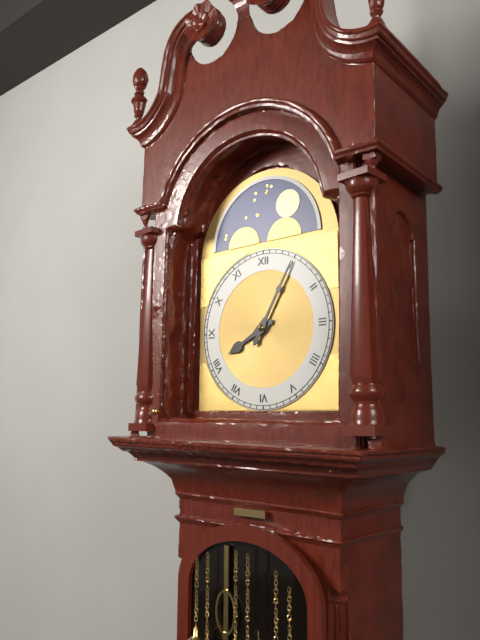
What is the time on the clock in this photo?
8:05
